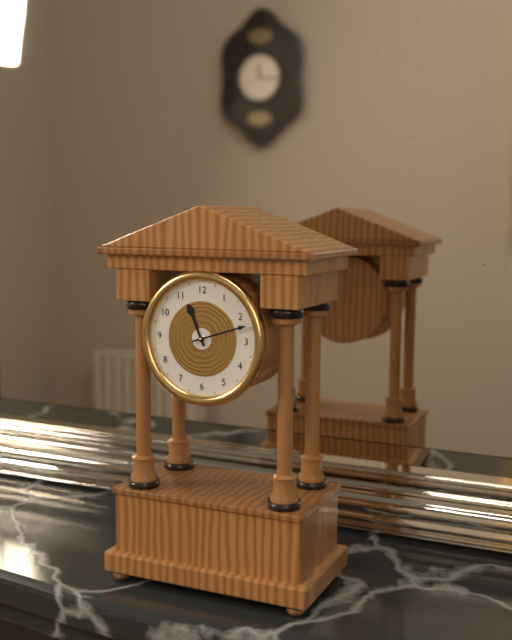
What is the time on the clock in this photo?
11:12
